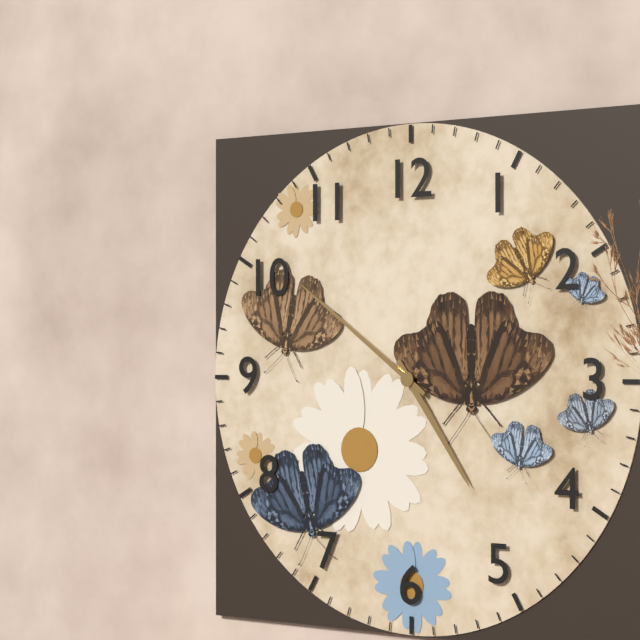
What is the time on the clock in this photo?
4:51
